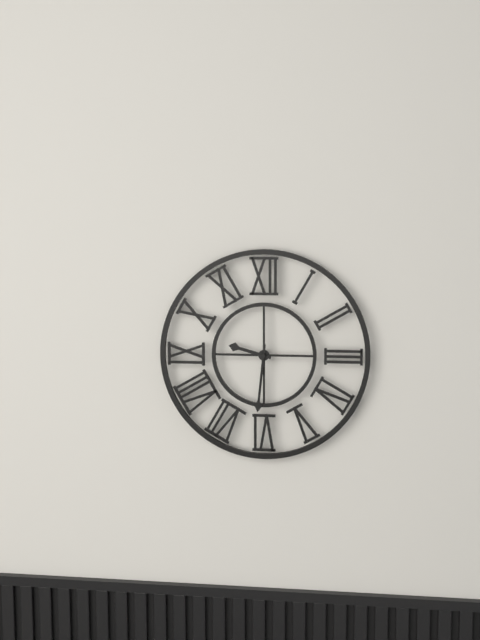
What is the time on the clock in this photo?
9:31
